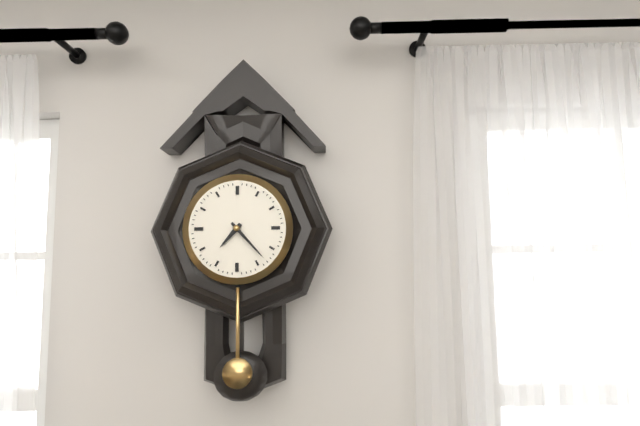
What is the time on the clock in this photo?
7:23
